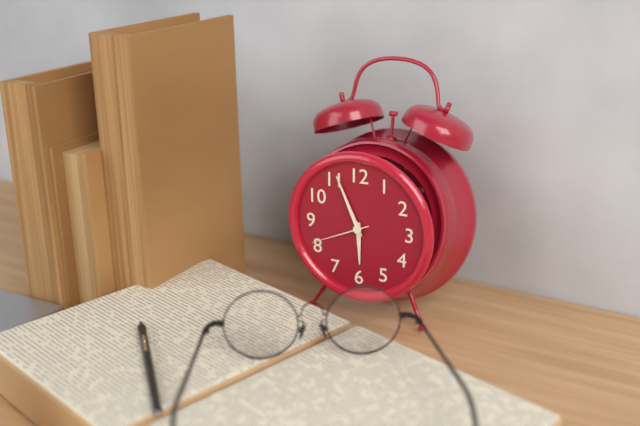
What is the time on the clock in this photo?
5:56:41
